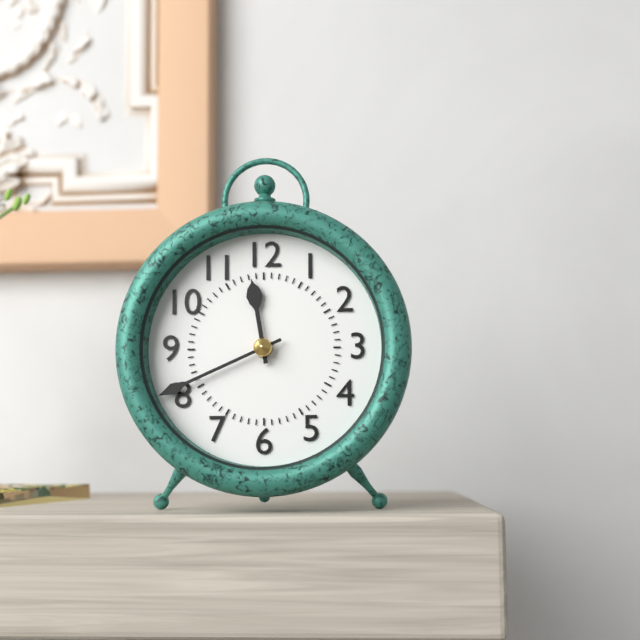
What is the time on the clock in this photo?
11:41
